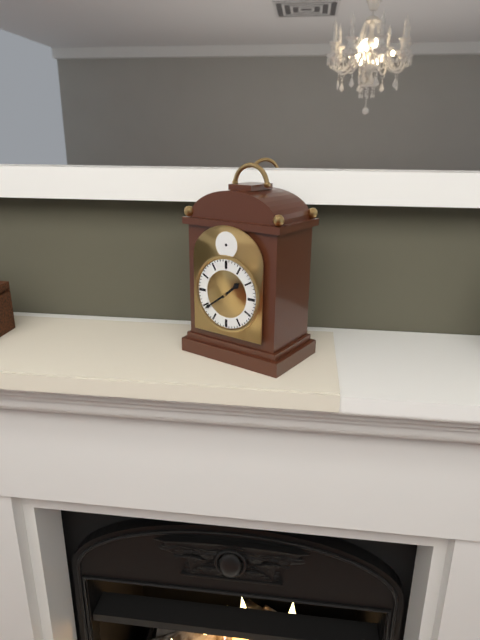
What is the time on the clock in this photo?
1:39
